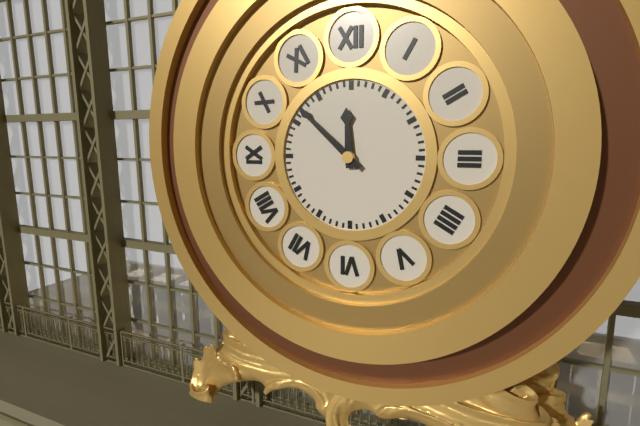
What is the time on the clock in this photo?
11:52
